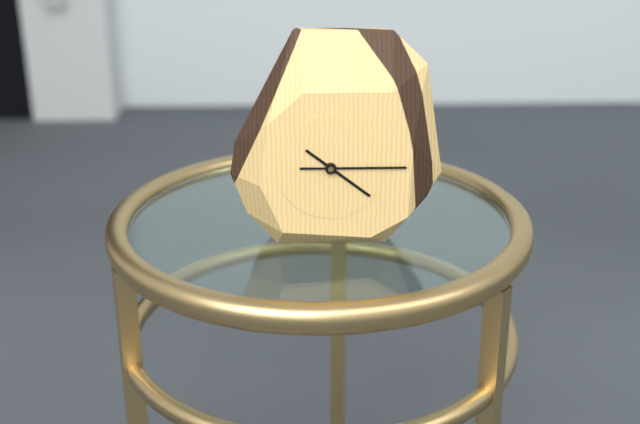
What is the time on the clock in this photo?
4:15
